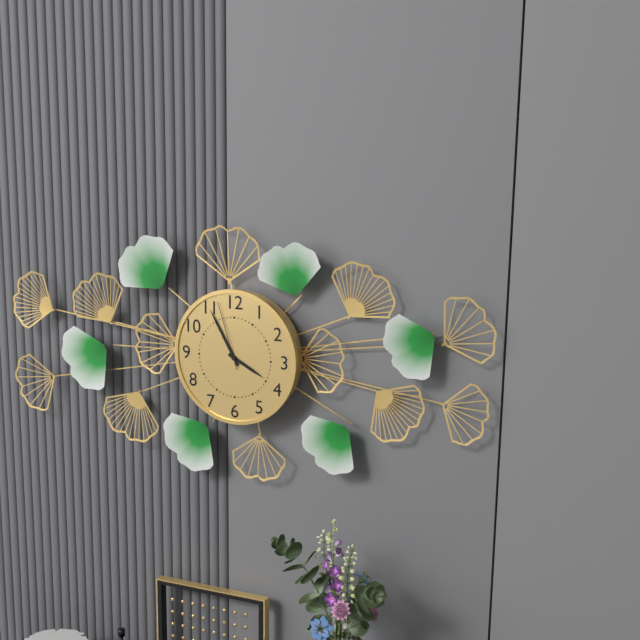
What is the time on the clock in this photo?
3:55:57
